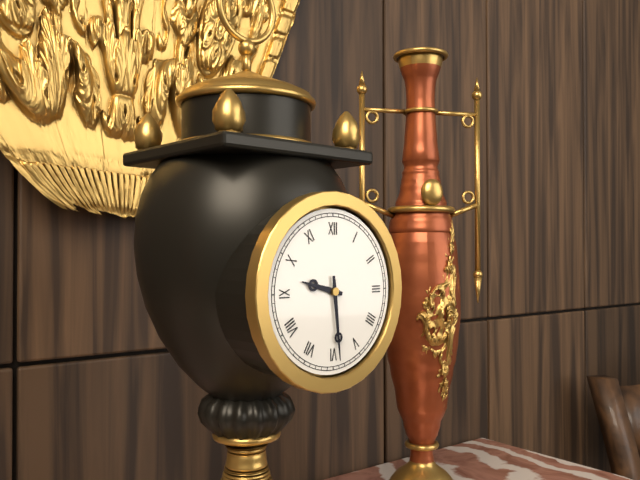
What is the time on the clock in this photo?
9:29
